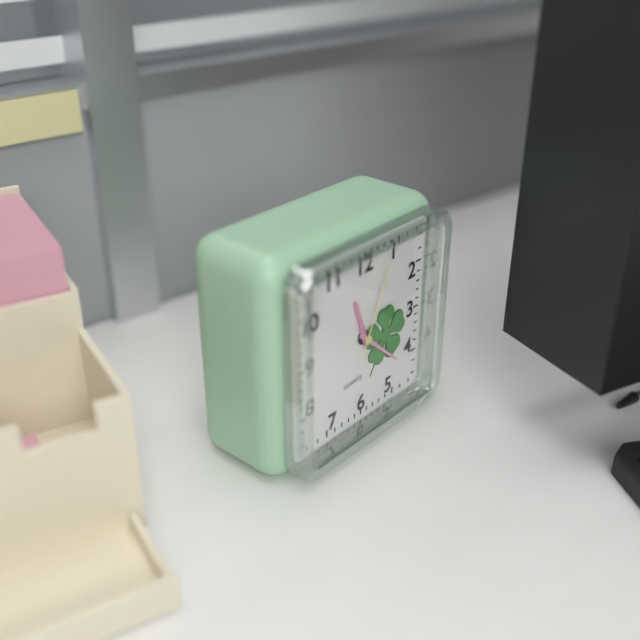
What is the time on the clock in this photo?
11:22:04
